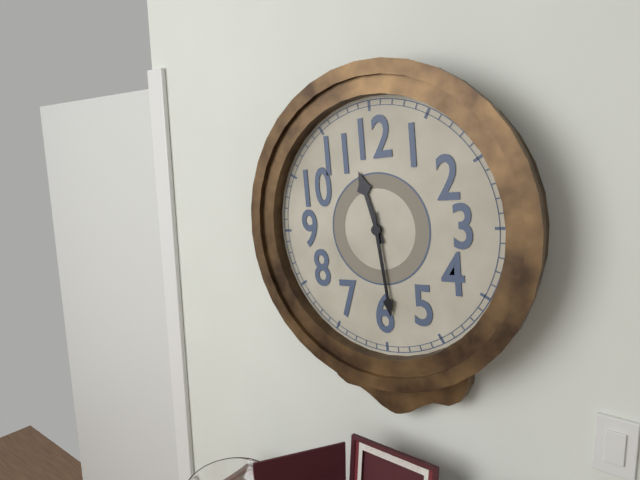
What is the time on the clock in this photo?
11:29
